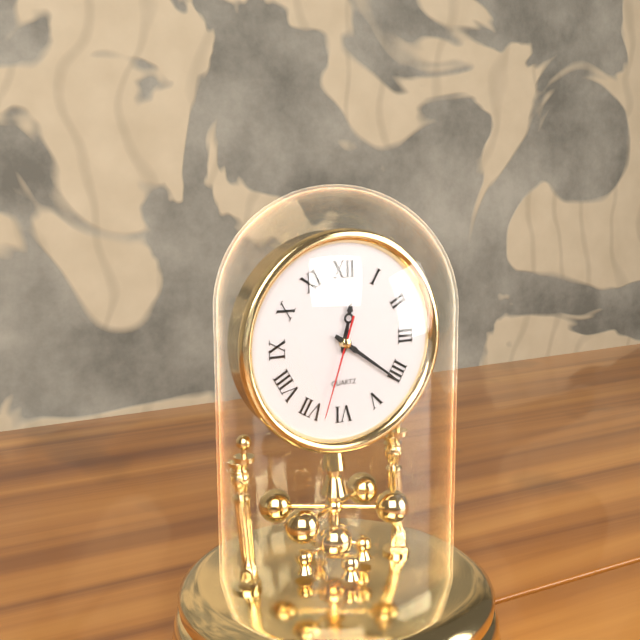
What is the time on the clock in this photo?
12:21:33
